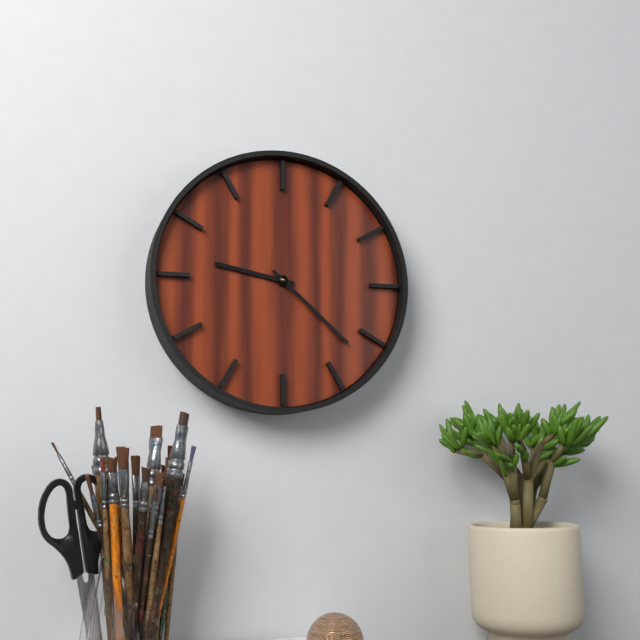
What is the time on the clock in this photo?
9:22
